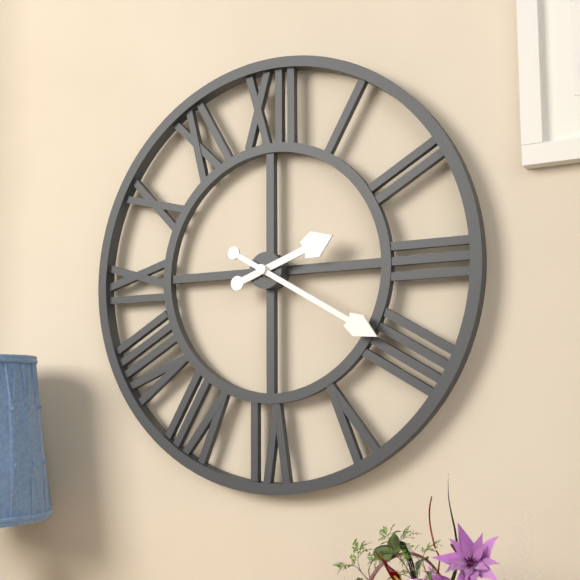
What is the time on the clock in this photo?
2:20
